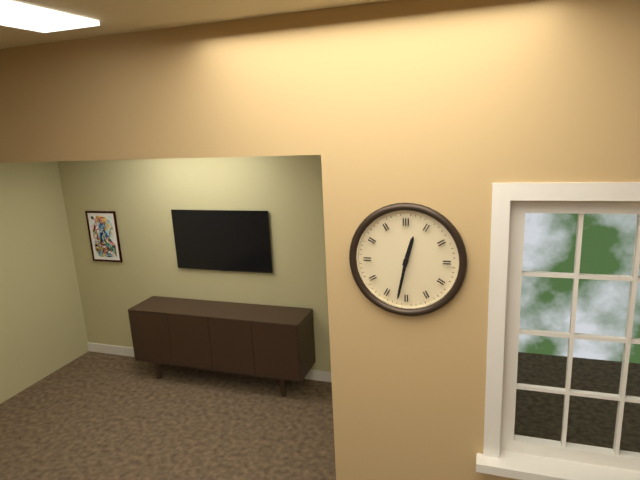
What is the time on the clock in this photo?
12:32
